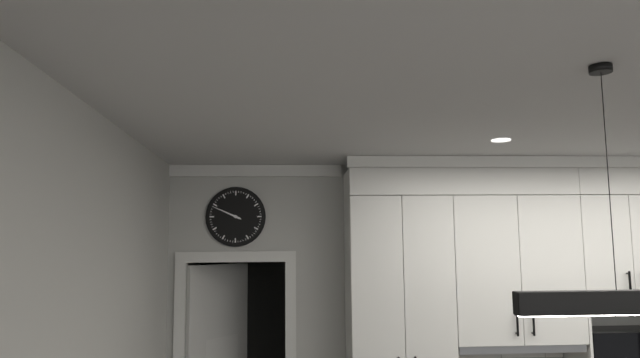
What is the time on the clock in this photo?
9:49
